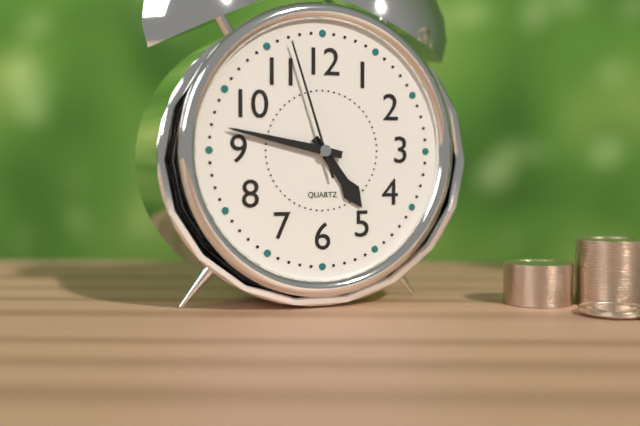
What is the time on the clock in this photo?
4:47:57
